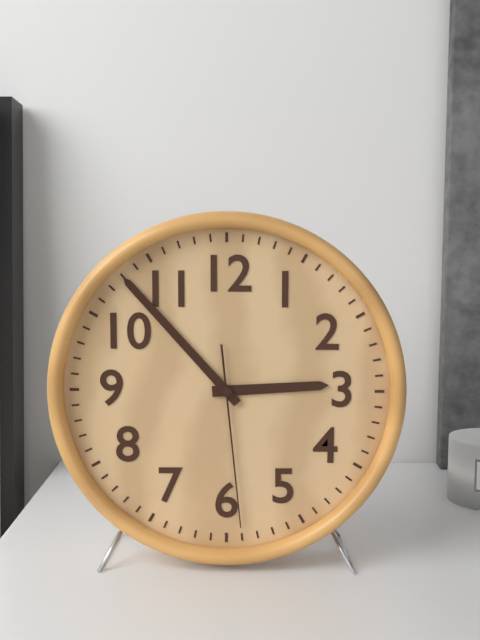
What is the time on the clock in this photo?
2:53:29
